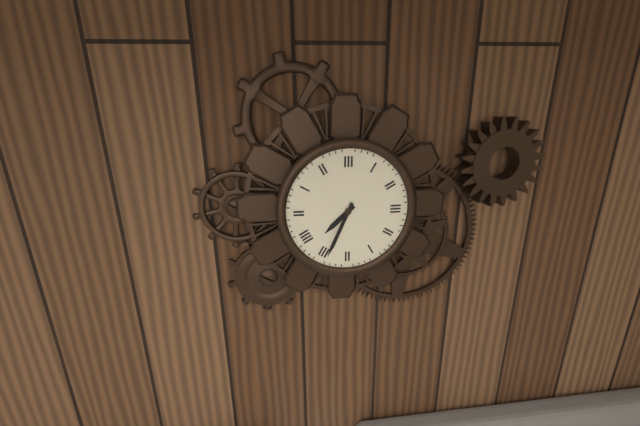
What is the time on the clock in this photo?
7:34
